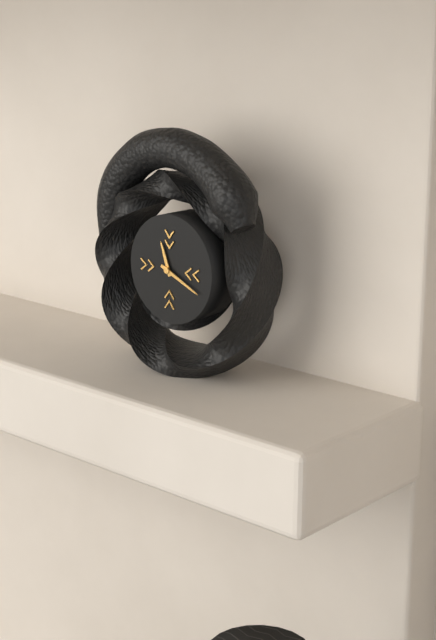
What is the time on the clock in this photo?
11:19
